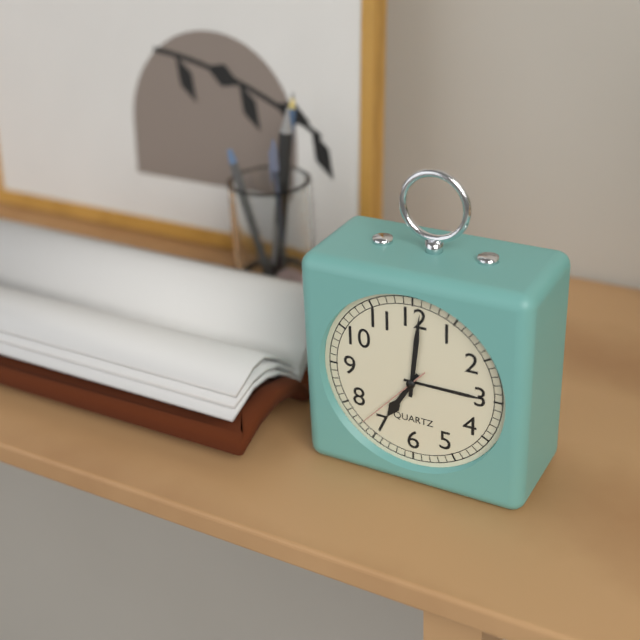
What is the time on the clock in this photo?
7:01:37
